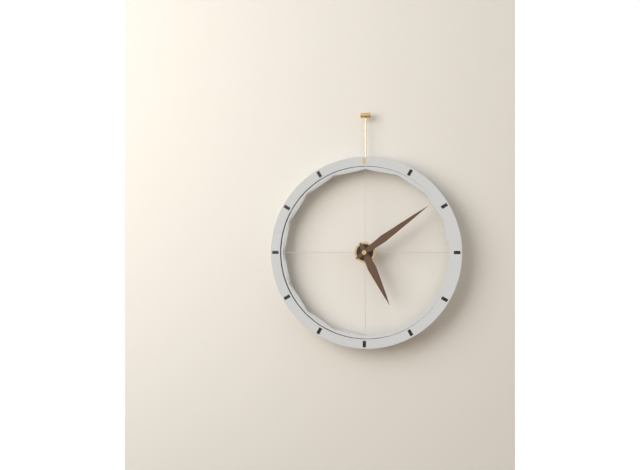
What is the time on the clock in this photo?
5:09
